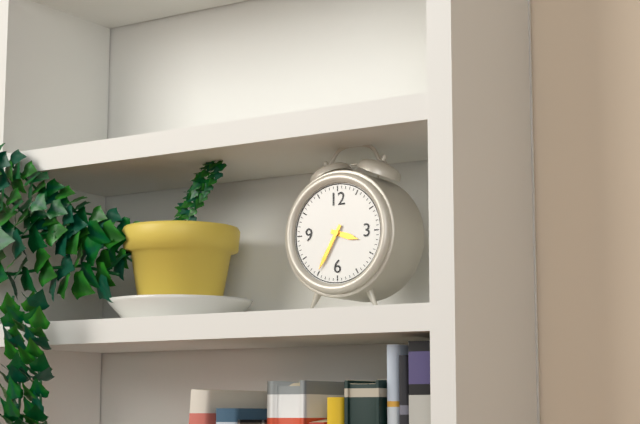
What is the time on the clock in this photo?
3:35
